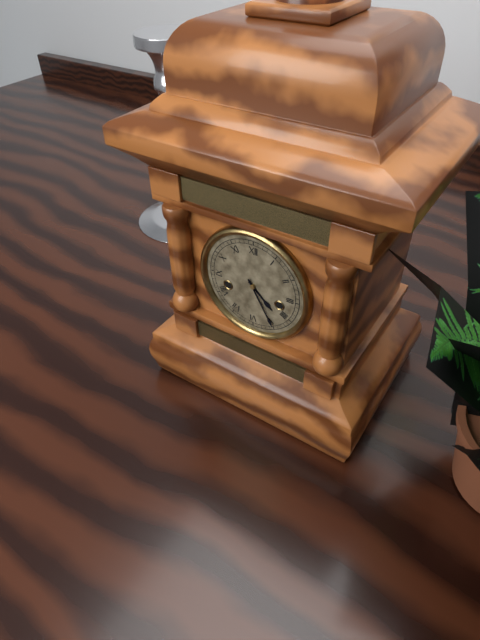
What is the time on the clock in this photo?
4:25
